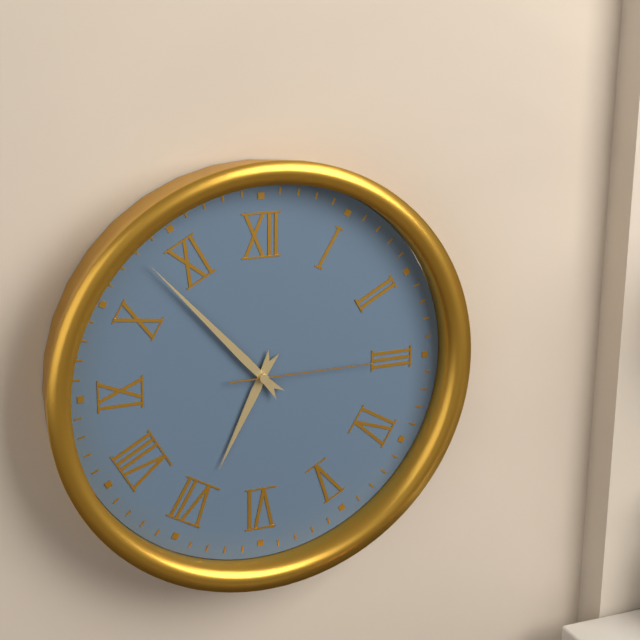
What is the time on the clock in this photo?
6:53:15
